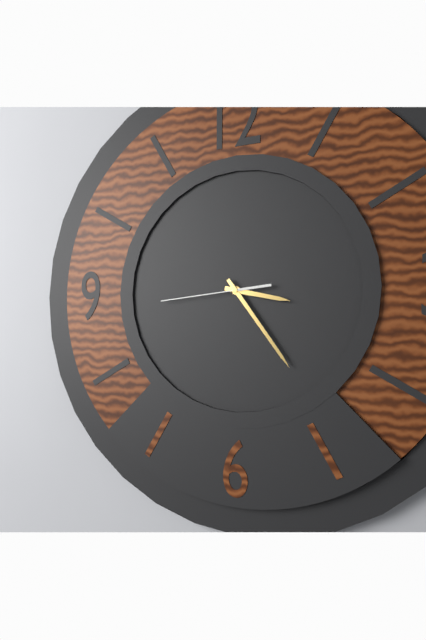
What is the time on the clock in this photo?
3:24:44
